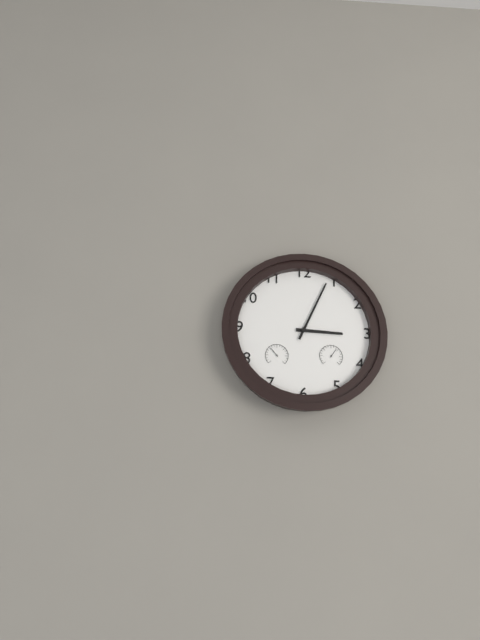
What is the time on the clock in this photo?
3:04
